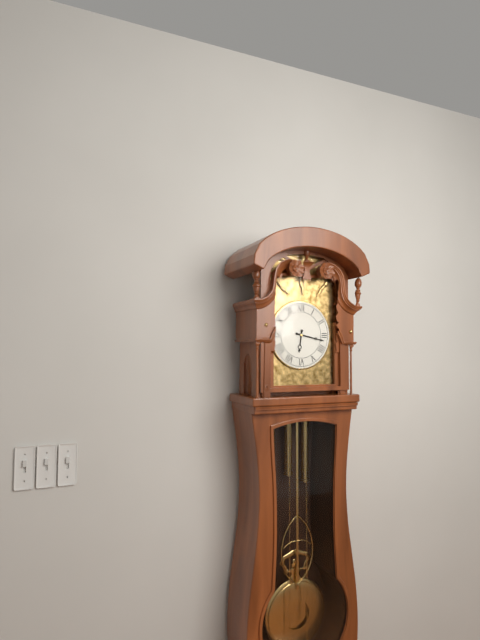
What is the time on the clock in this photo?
6:17
